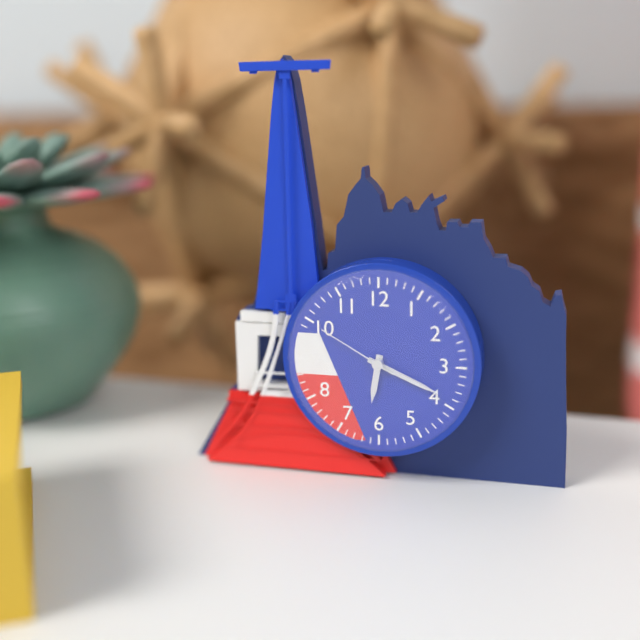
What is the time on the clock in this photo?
6:19:50
